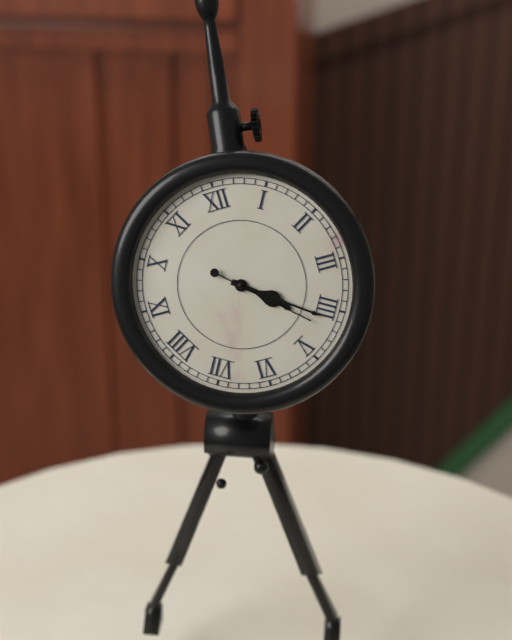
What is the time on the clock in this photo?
4:21:22
